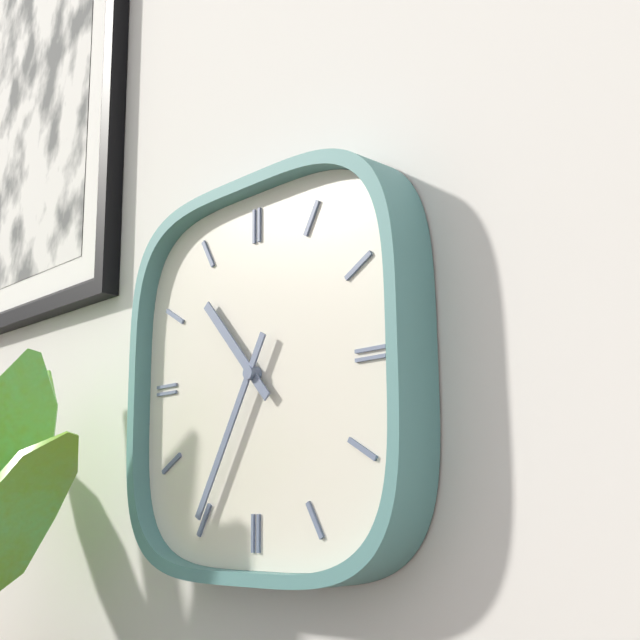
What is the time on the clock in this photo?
10:35
